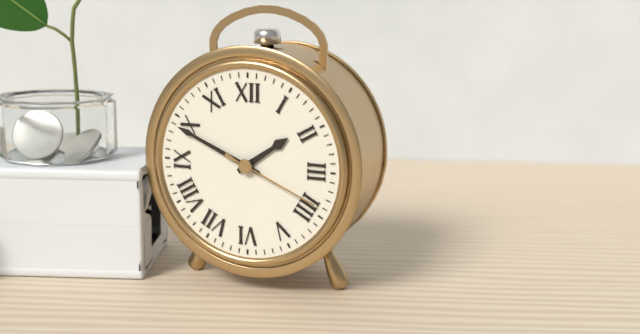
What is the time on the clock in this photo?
1:49:19
